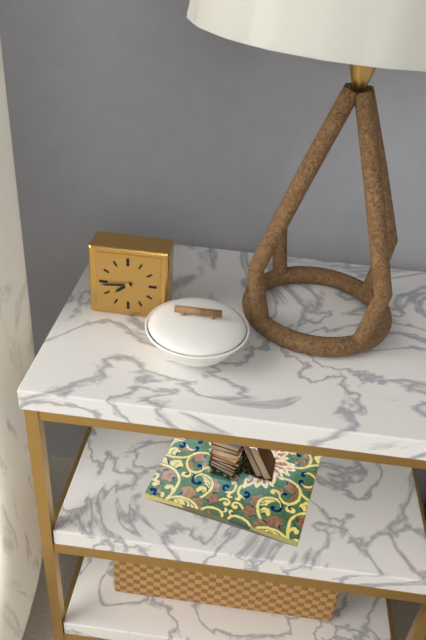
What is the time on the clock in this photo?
7:44
